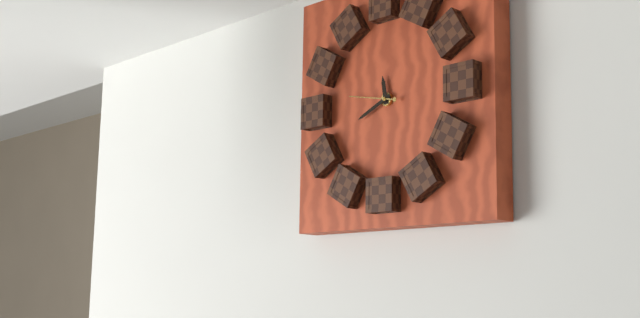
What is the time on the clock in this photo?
11:41
